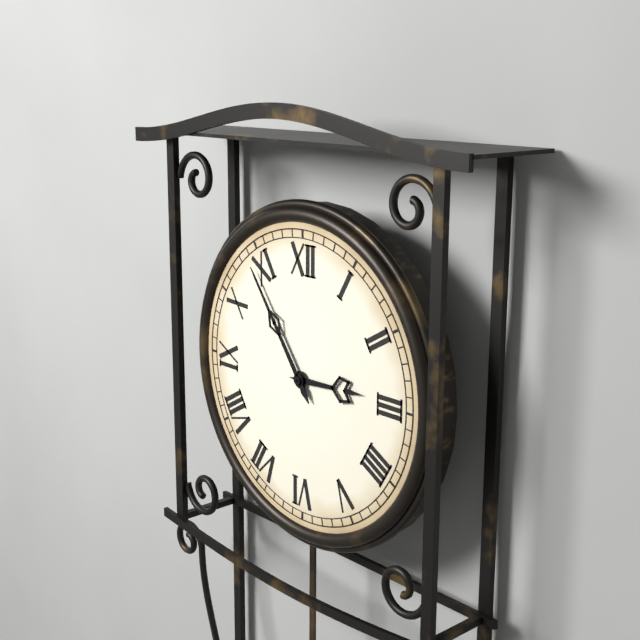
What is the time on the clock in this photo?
2:54
